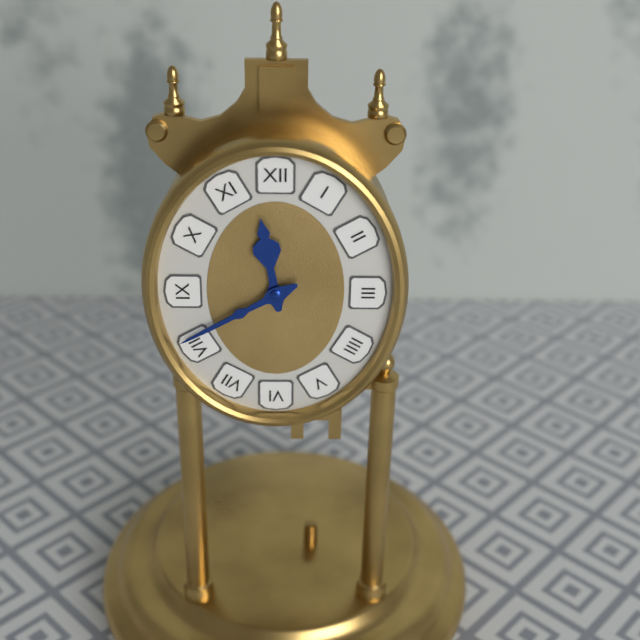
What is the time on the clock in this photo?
11:40
